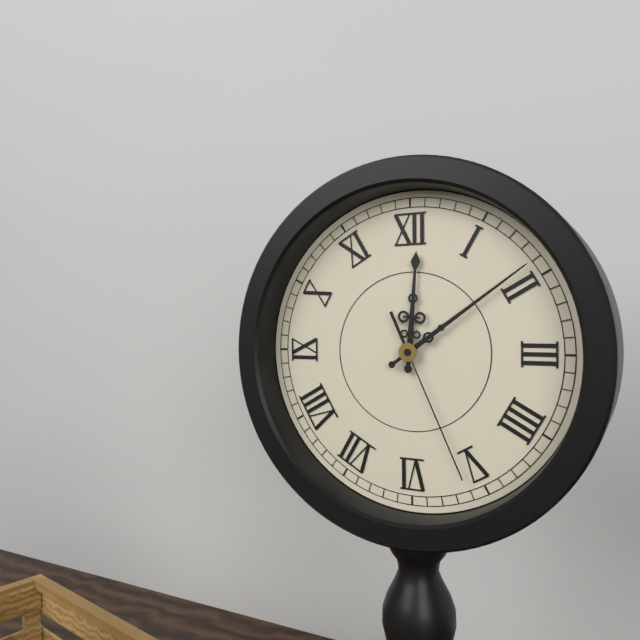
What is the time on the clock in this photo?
12:09:26
